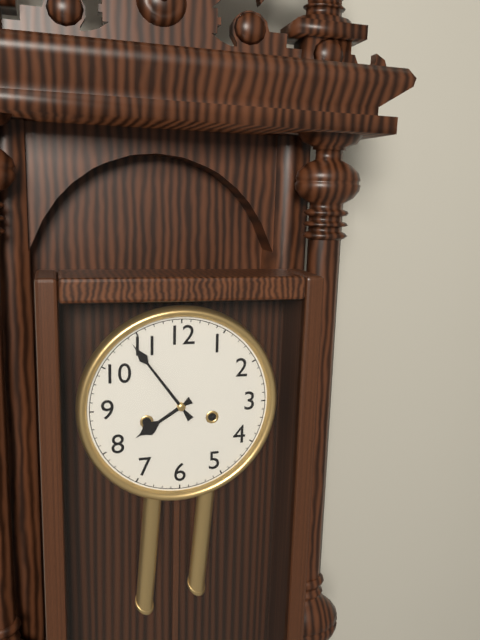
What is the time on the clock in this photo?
7:54
